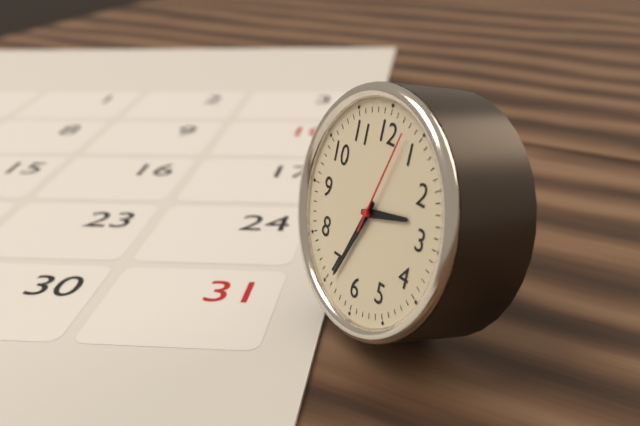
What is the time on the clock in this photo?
2:34:03
